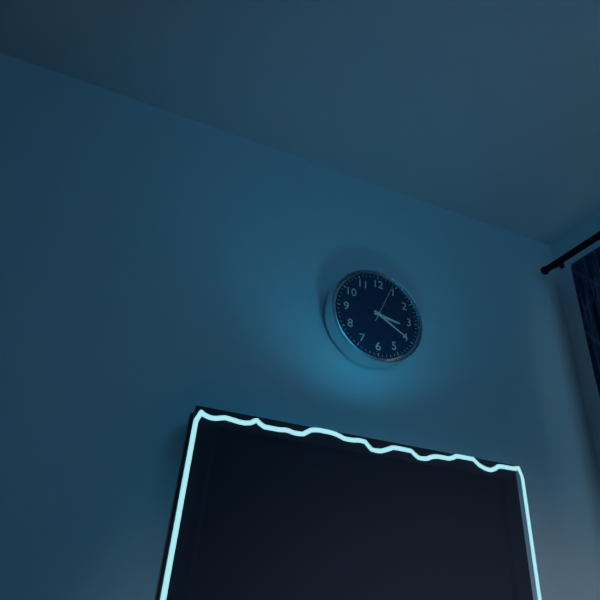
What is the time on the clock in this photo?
3:20
